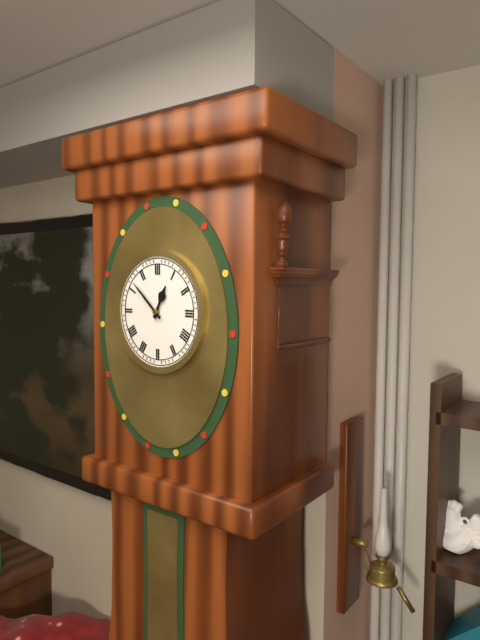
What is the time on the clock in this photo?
12:52
